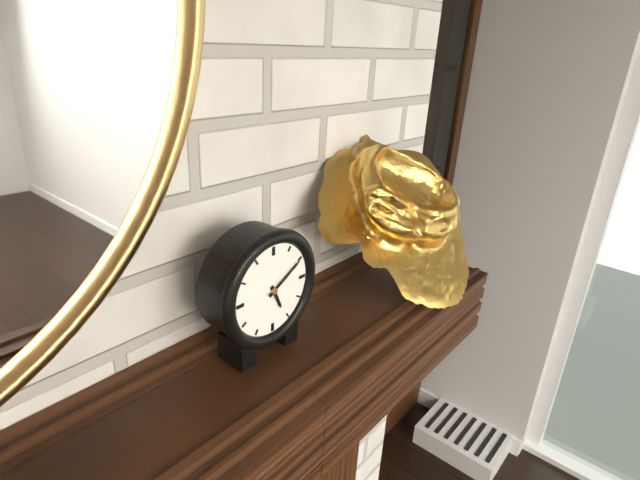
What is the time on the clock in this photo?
5:10
